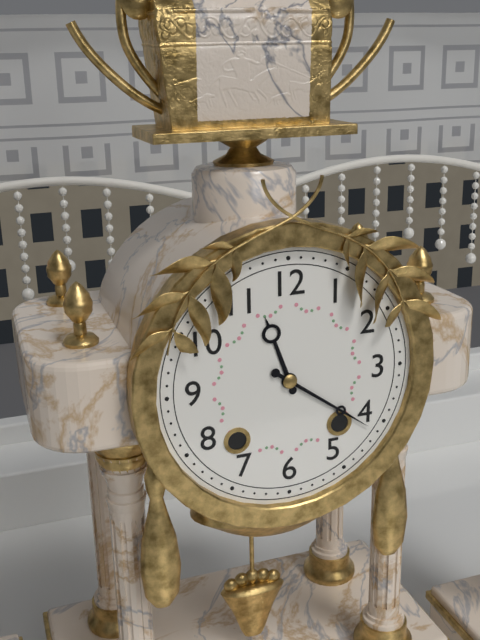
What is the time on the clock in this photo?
11:21
